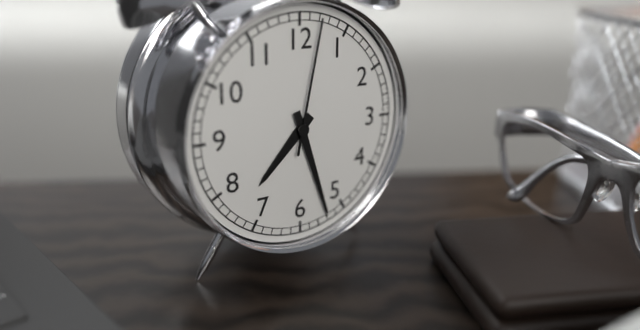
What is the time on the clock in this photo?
7:27:02
